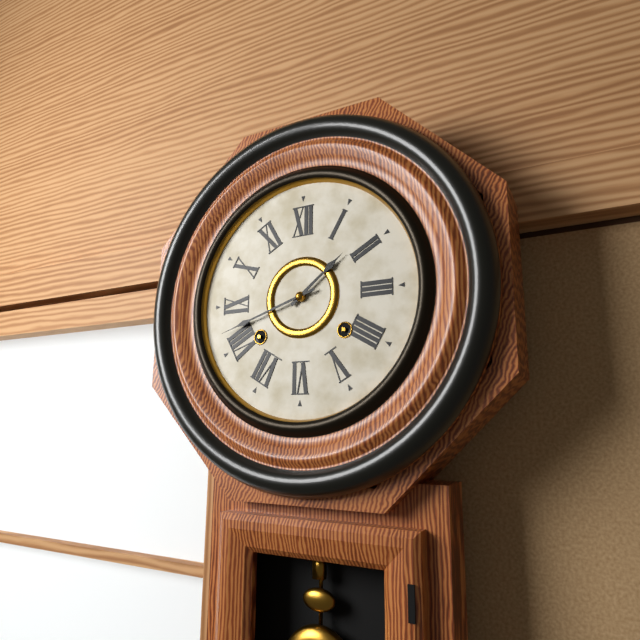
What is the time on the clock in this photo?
1:42
